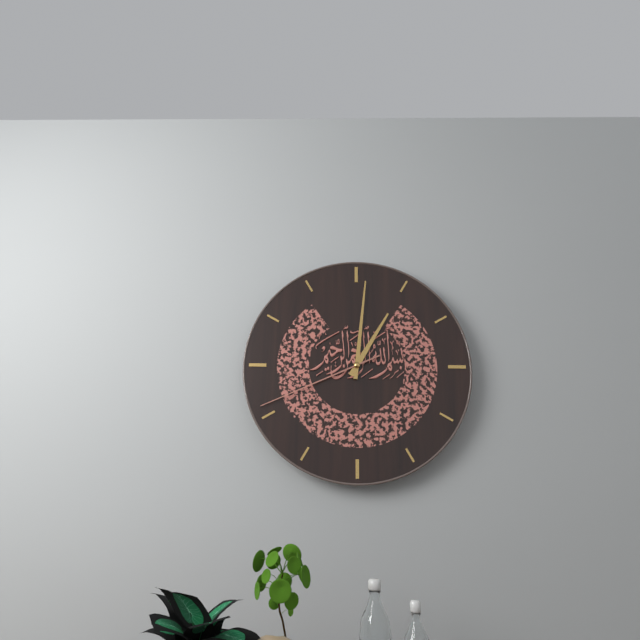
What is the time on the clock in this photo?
1:01:41
